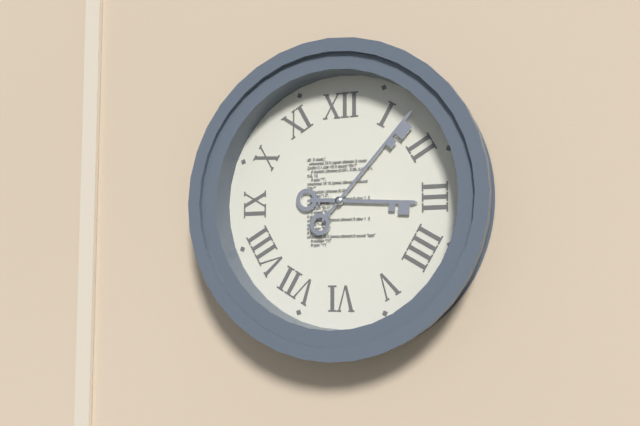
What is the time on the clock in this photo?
3:07
